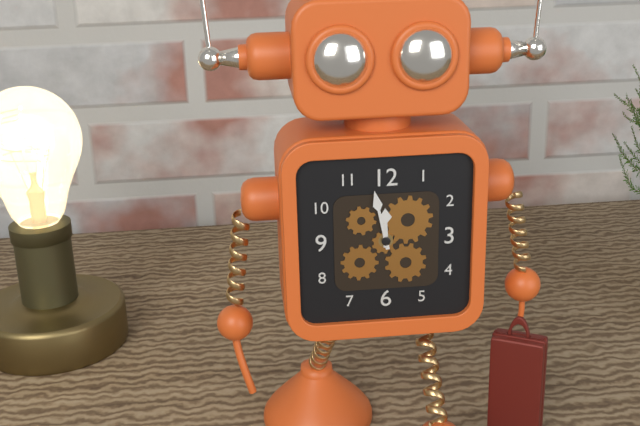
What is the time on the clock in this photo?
11:58
